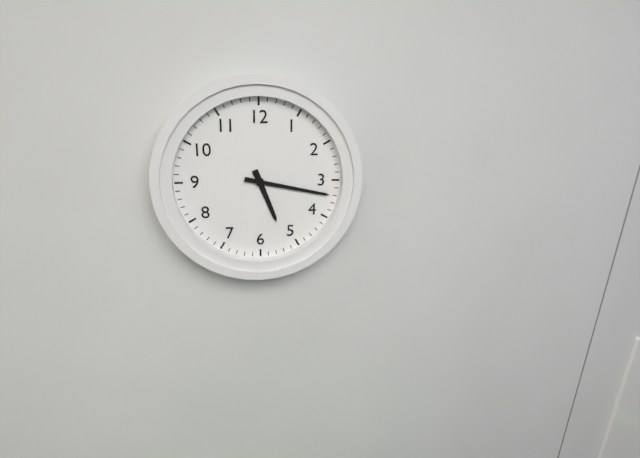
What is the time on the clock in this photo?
5:17
